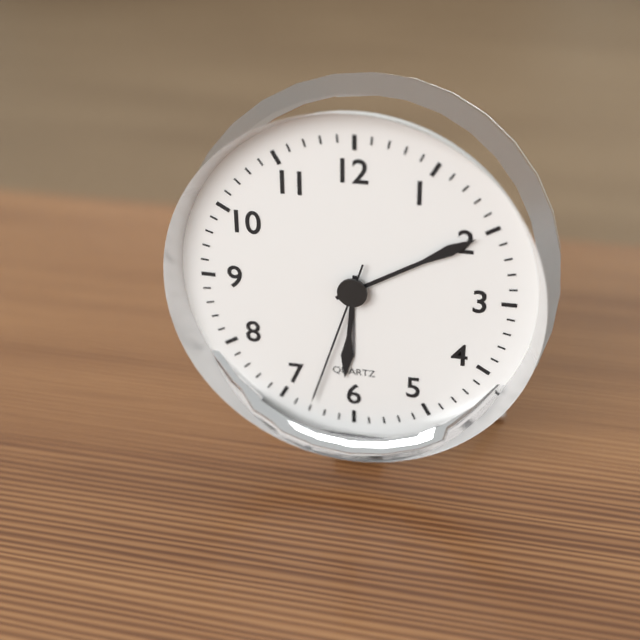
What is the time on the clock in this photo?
6:10:33
